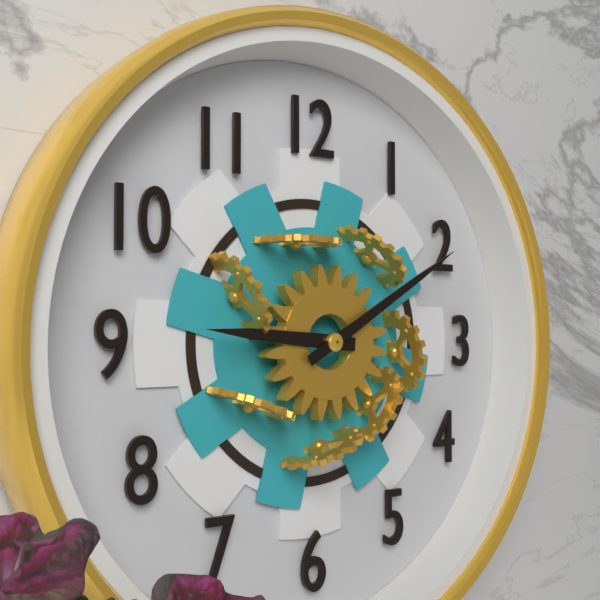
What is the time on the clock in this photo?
9:10
